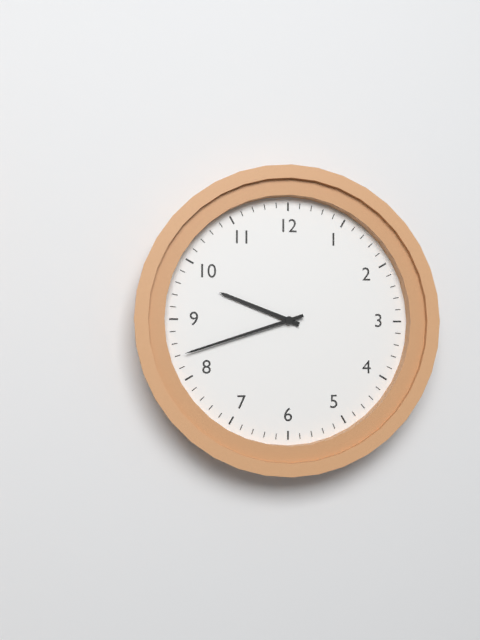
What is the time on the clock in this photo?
9:42
